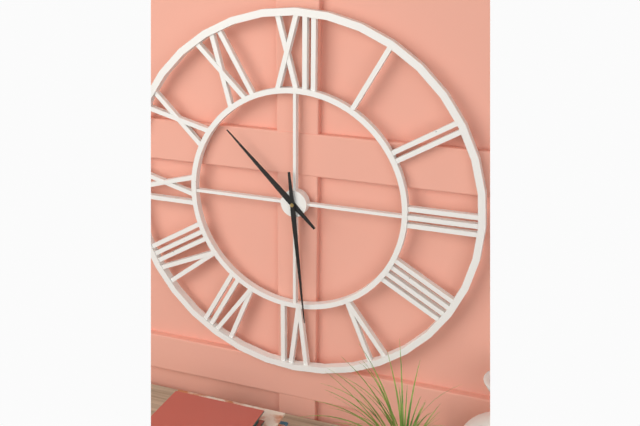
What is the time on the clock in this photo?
10:29
